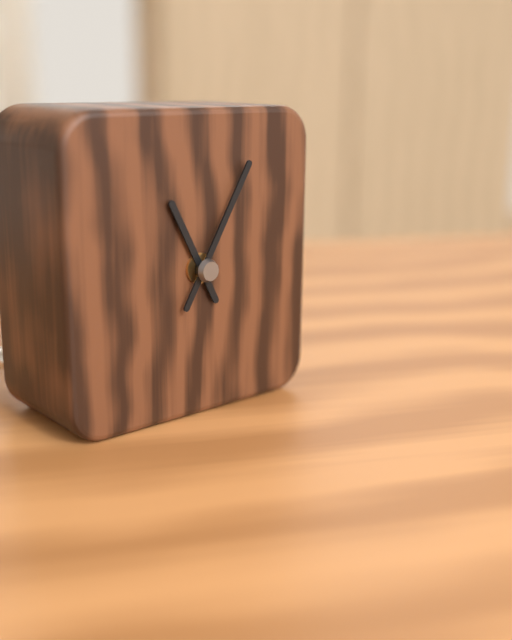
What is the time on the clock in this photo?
11:05
